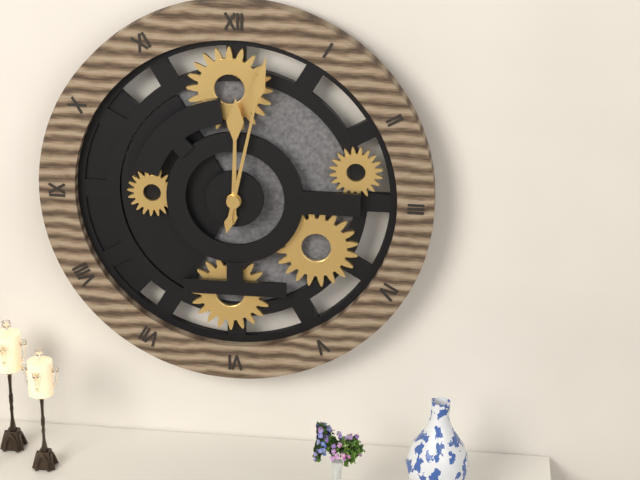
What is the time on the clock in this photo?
12:02
